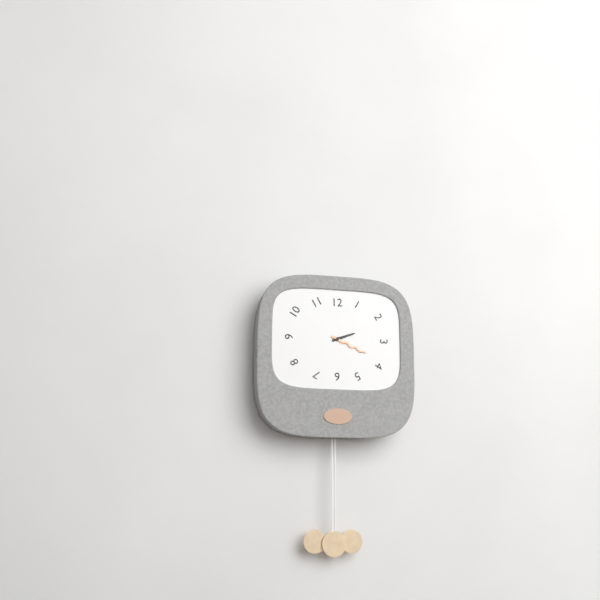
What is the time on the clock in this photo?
2:19
